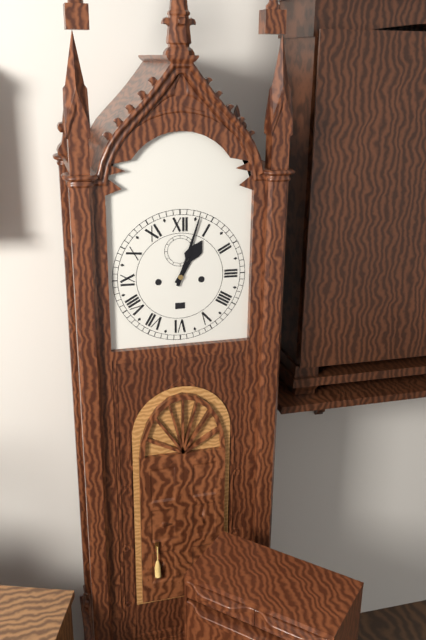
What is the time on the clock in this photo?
1:03
